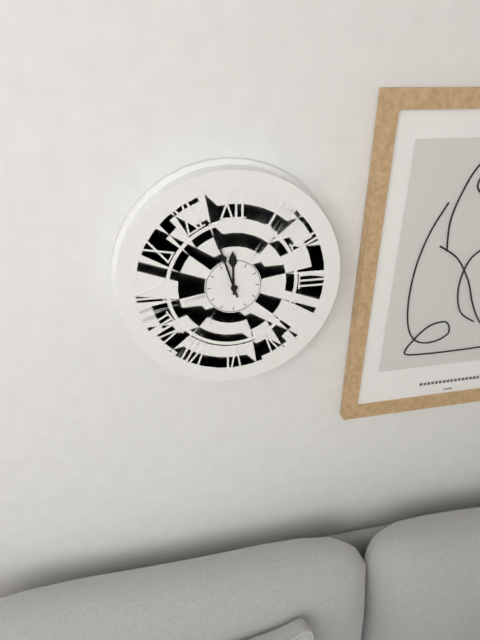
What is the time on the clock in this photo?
11:57
